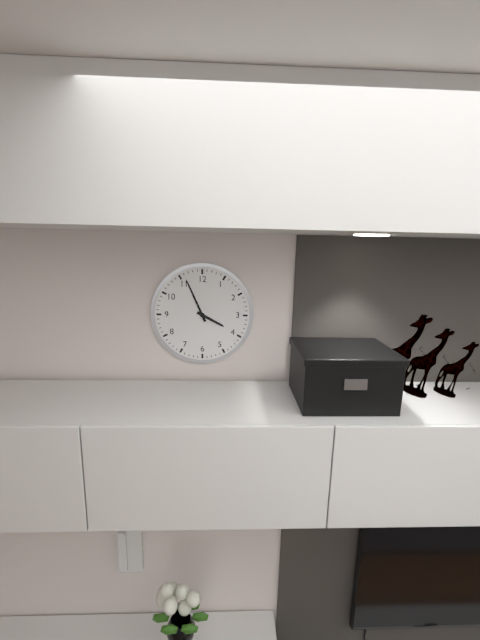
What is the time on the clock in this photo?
3:56
